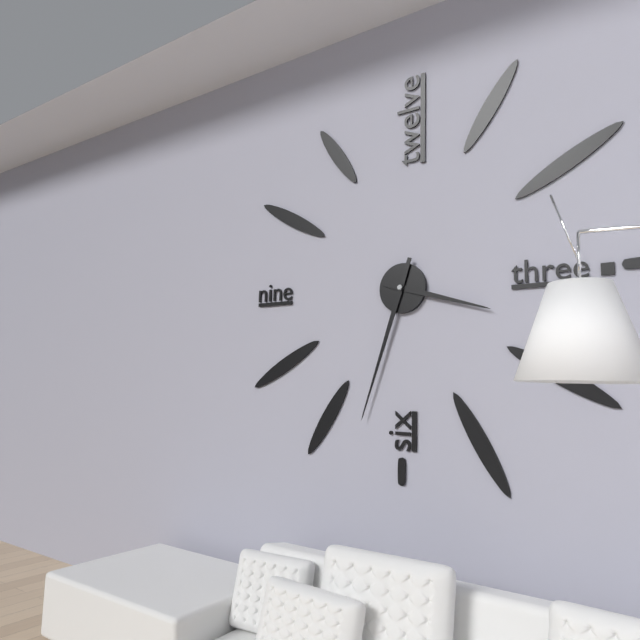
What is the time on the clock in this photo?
3:33
